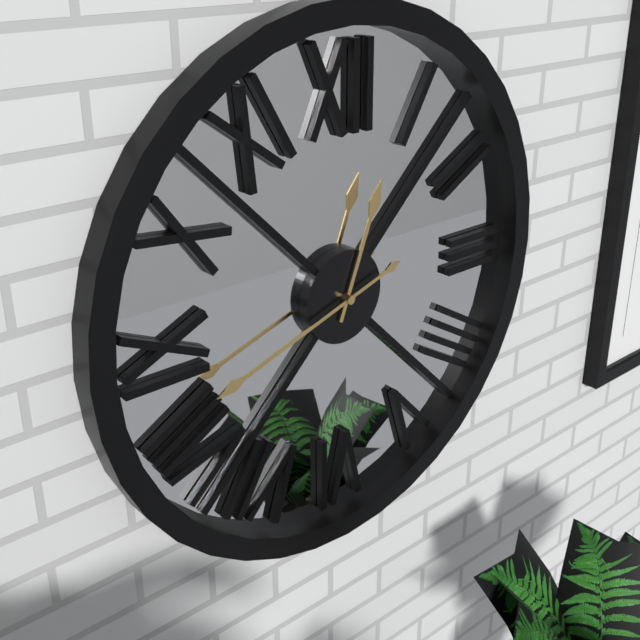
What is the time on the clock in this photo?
12:42
